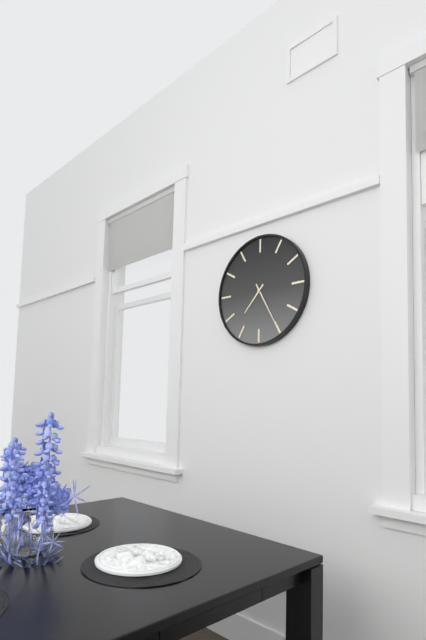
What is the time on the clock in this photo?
7:25
